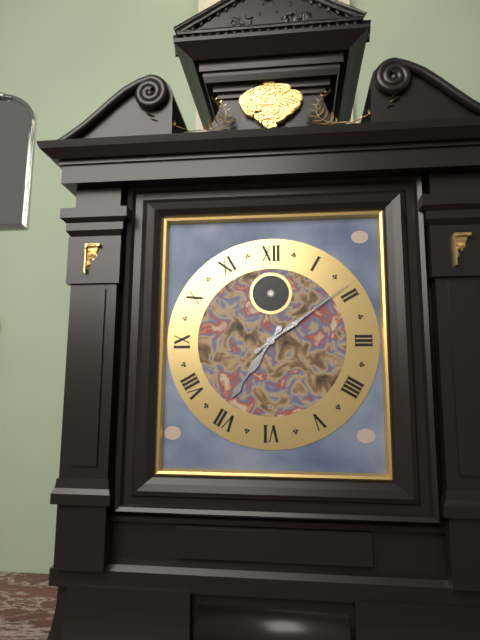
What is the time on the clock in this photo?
7:09
